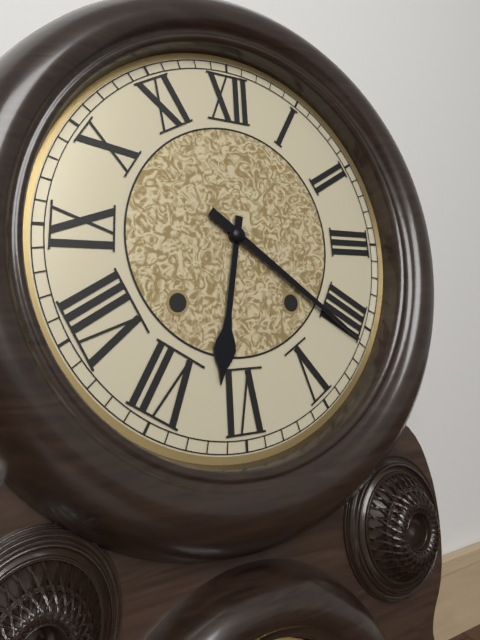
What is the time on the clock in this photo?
6:21
